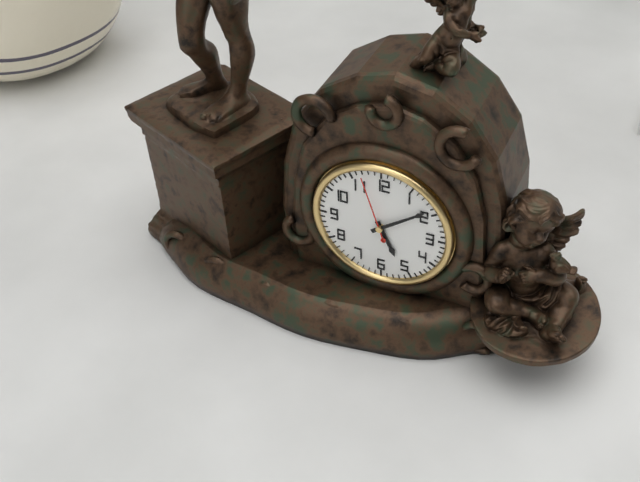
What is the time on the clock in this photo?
5:09:57
